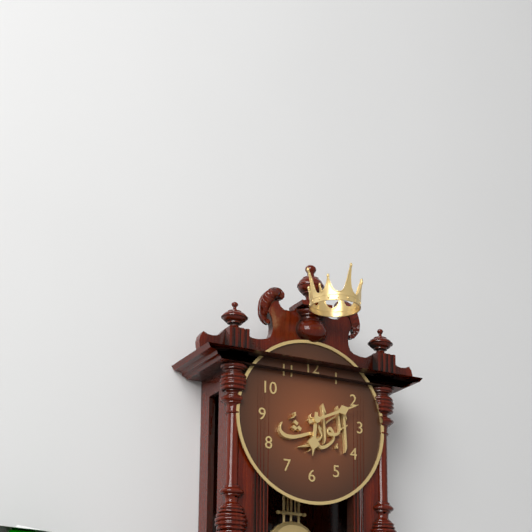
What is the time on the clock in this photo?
6:11
